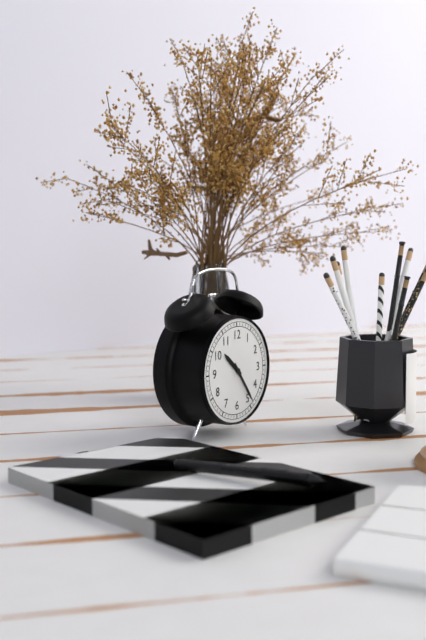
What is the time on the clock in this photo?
10:24
